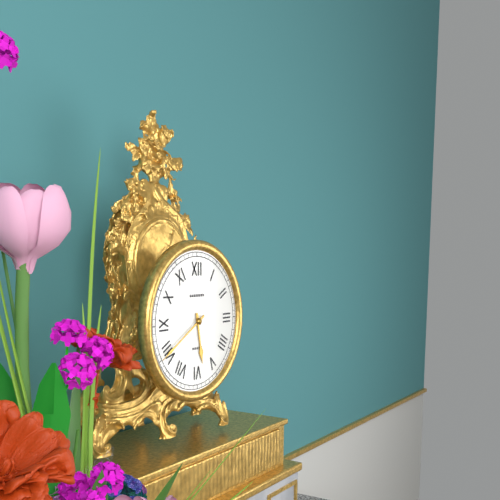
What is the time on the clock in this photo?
5:40
